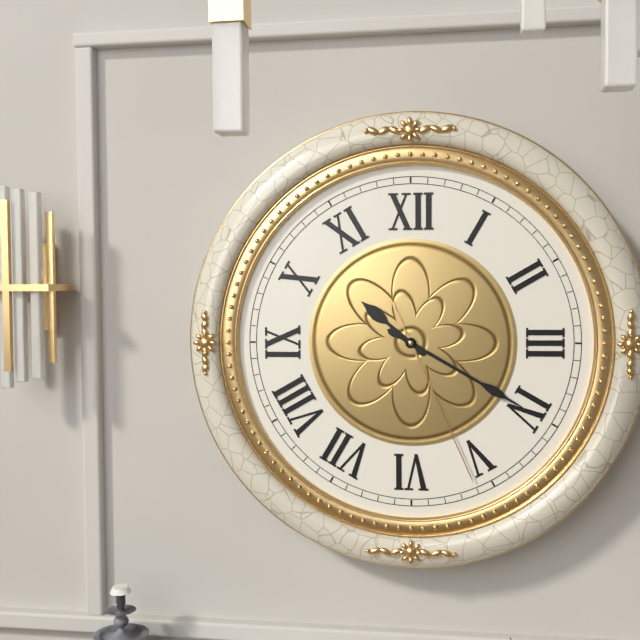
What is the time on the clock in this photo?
10:20:26
